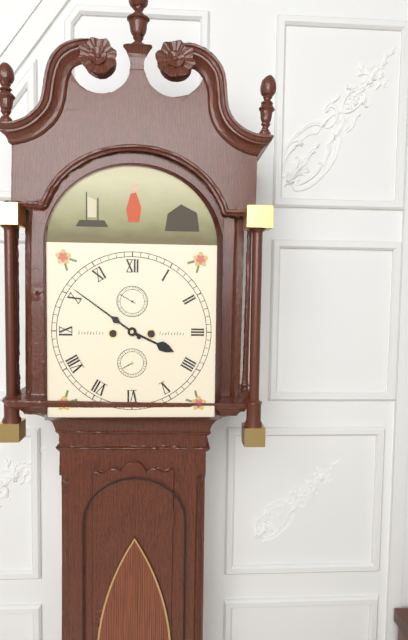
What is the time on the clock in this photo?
3:51
